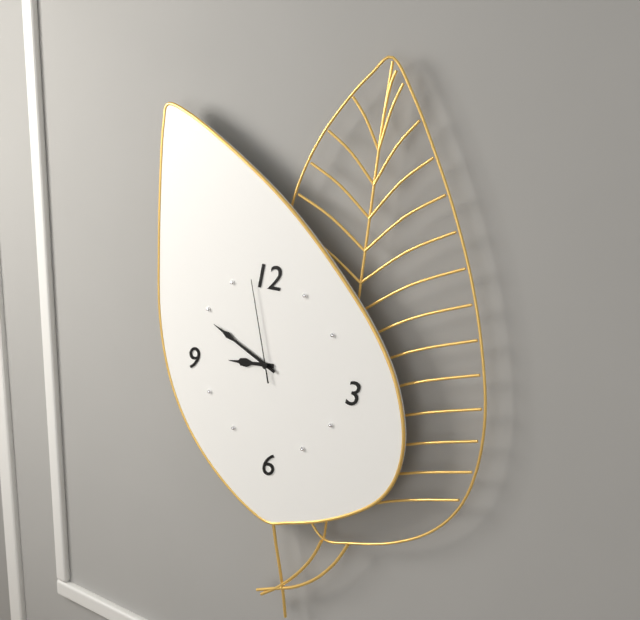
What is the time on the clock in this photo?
8:49:58
